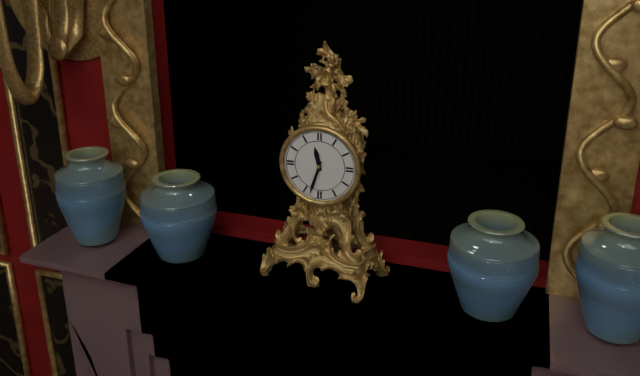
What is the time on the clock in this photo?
11:33
